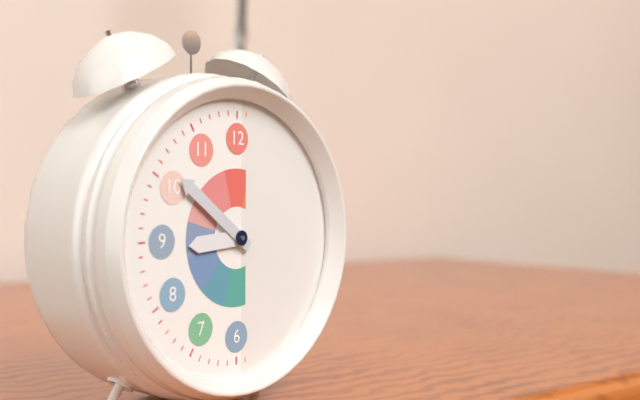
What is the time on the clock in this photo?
8:51
